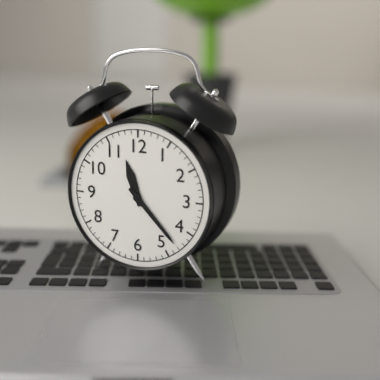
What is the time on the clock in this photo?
11:23
